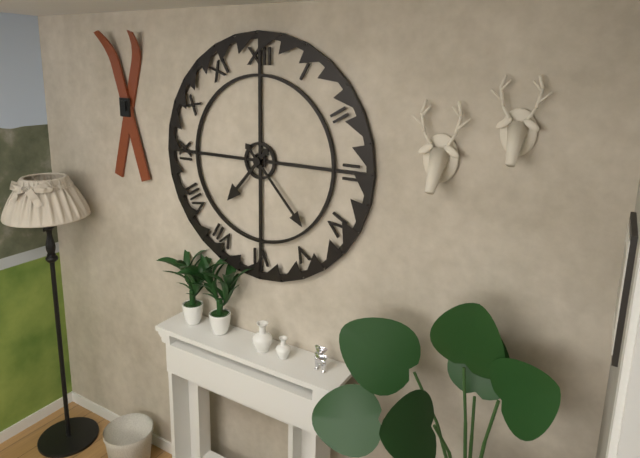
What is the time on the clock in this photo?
7:23
